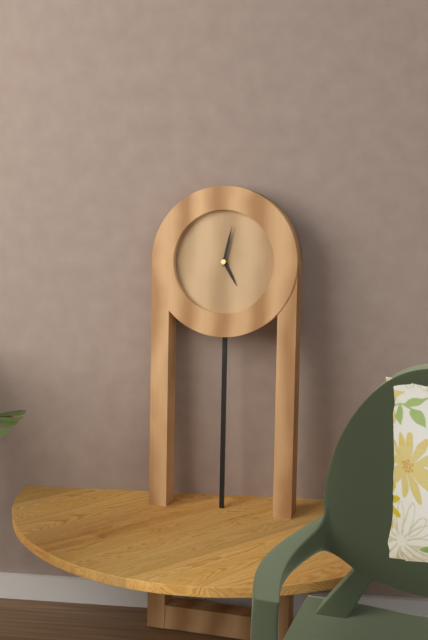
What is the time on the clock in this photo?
5:02
